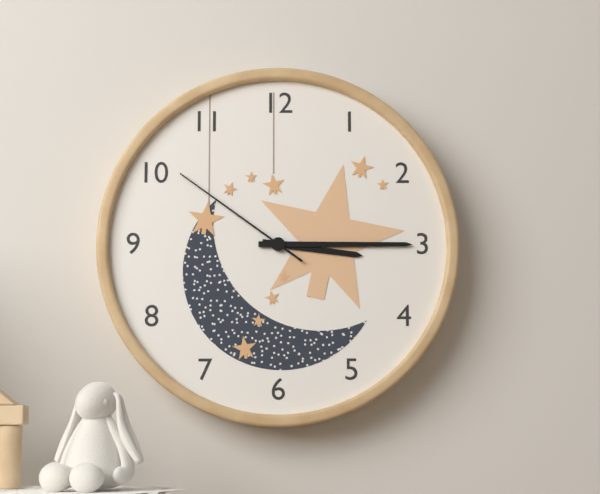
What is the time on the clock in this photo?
3:15:51
